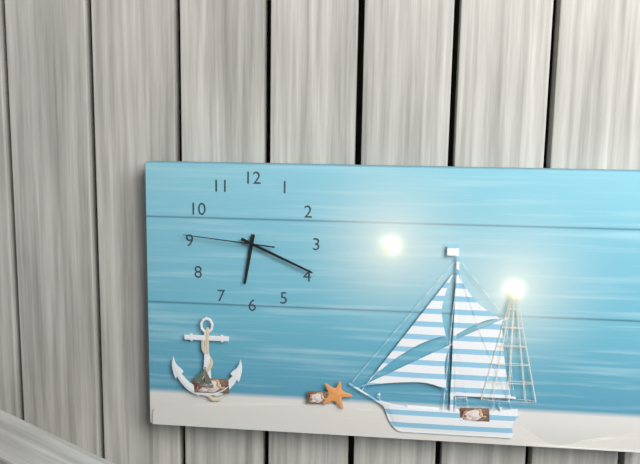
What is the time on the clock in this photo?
6:19:46
